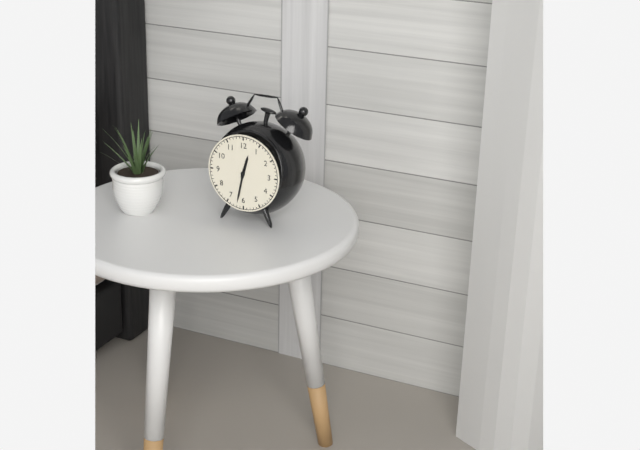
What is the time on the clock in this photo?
12:32
